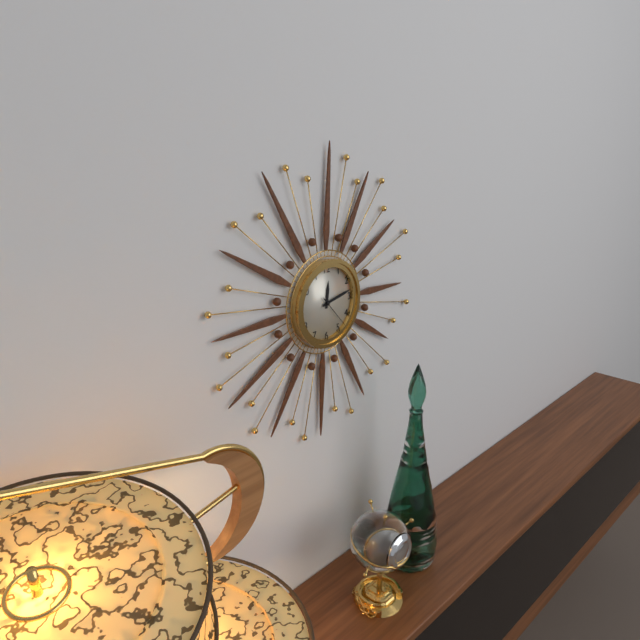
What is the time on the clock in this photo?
12:13
